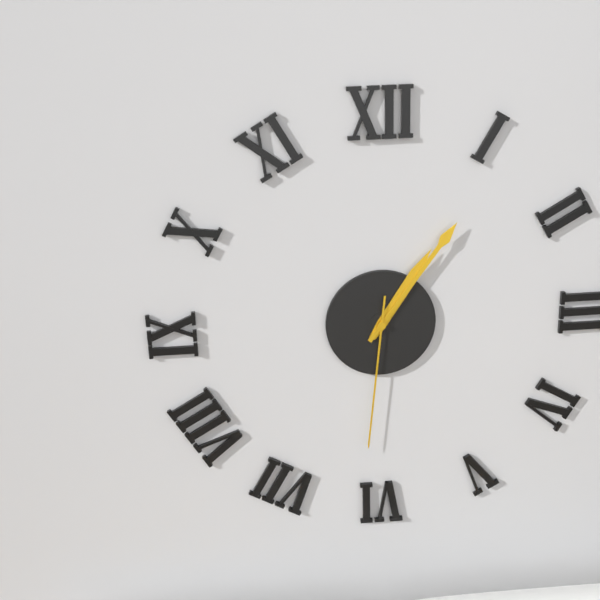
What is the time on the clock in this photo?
1:06:31
